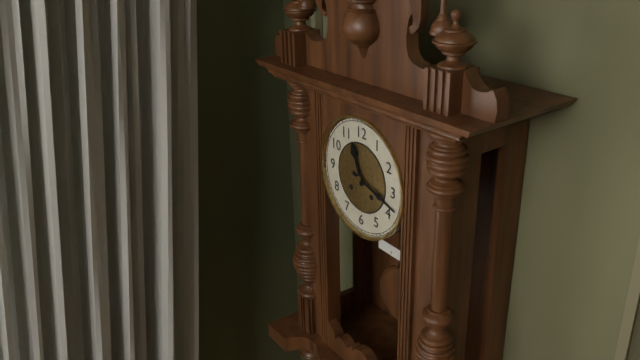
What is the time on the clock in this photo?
11:18
